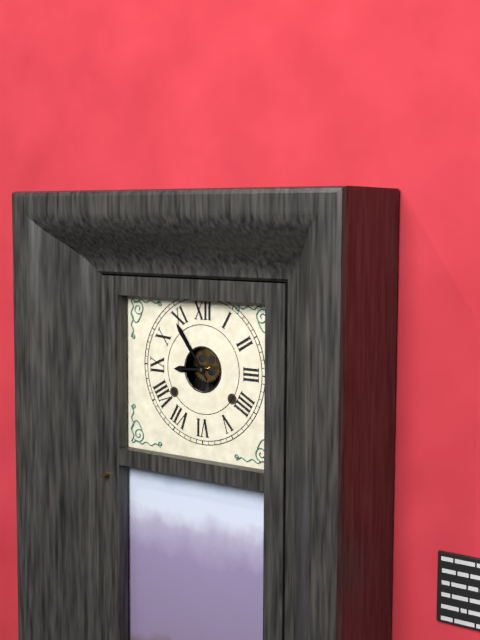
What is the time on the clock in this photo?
8:54
